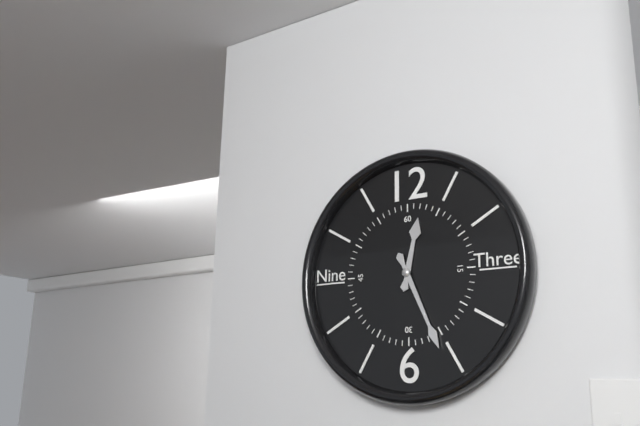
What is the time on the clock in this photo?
12:26
